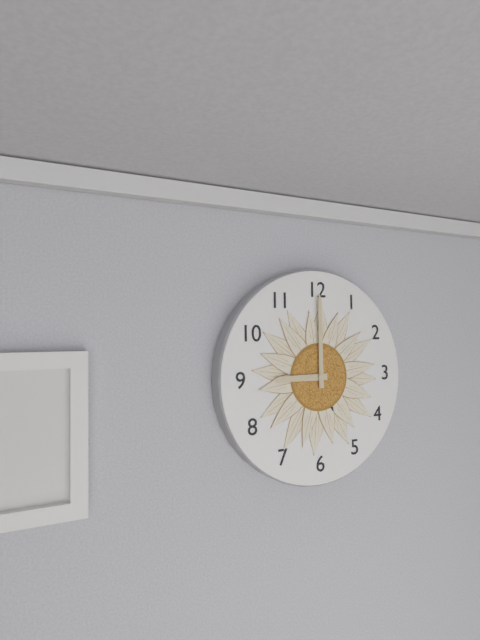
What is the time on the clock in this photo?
9:00
